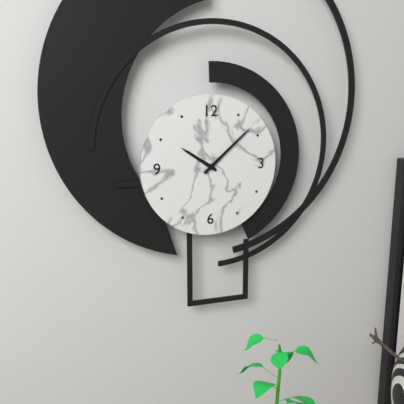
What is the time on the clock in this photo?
10:08
